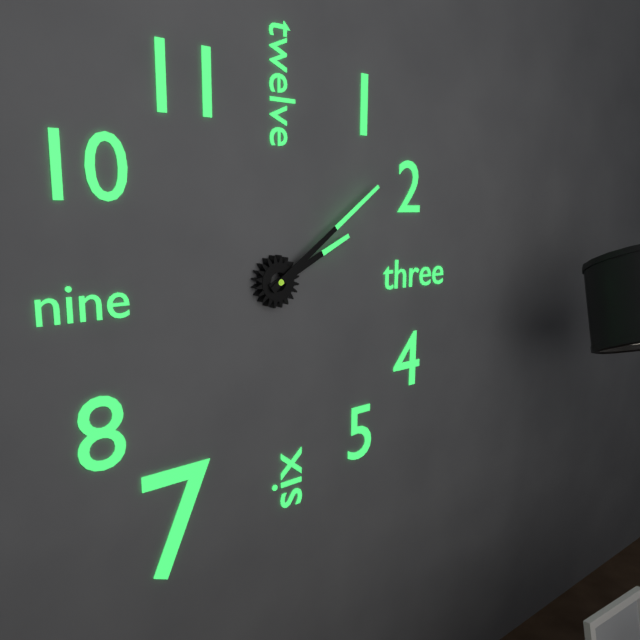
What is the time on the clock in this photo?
2:09
